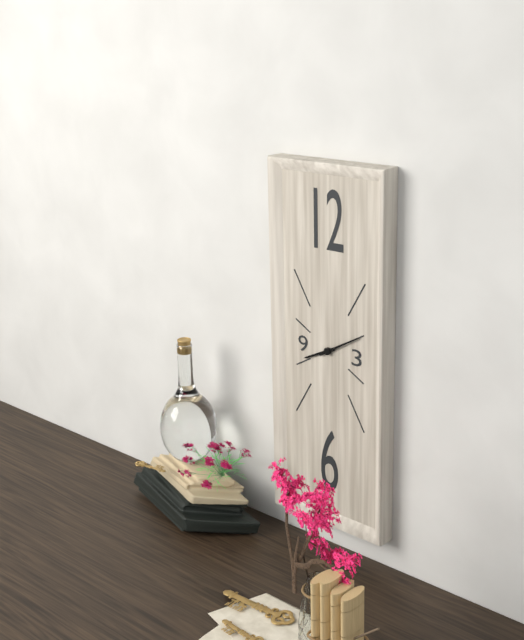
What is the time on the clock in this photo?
8:10
